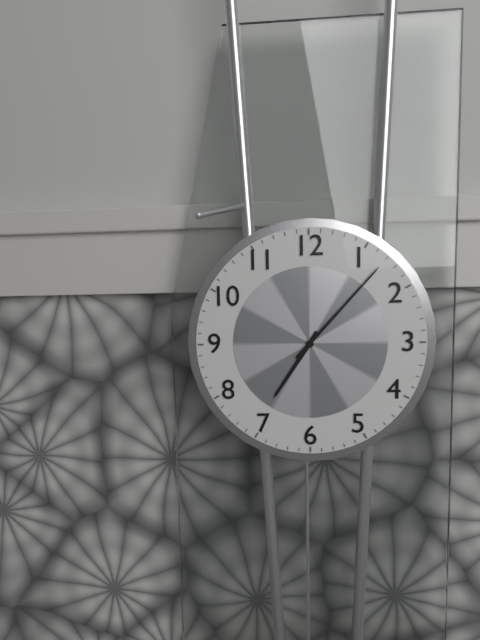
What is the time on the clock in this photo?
7:07
